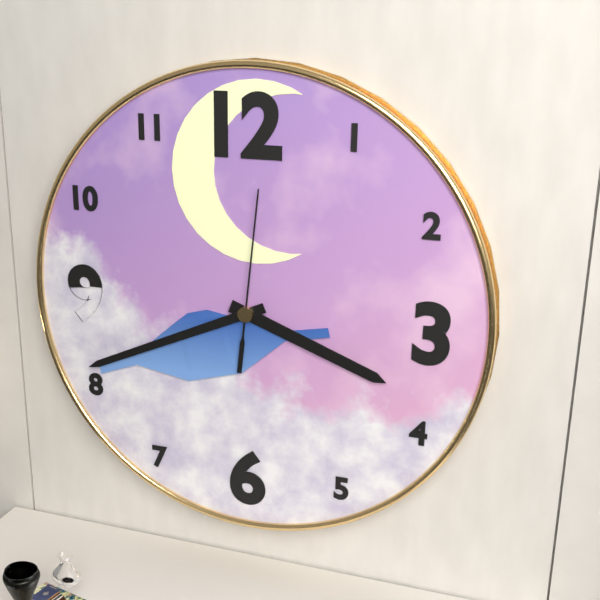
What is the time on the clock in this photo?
3:41:01
